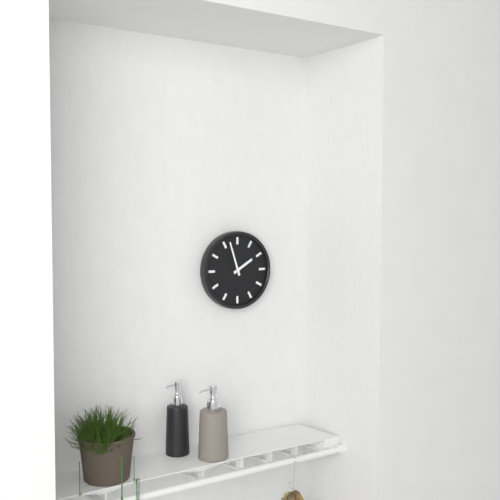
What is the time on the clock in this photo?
1:57
